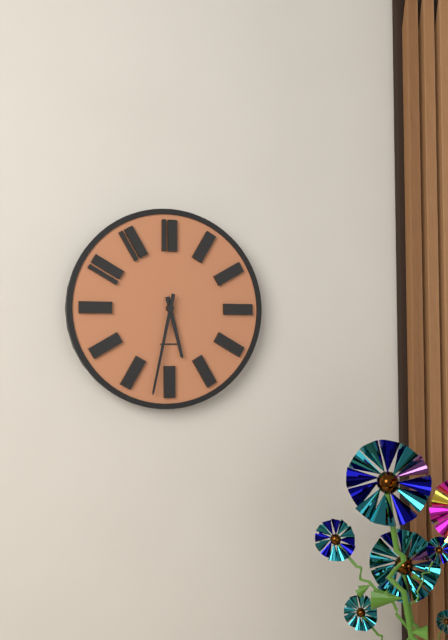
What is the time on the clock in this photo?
5:32
